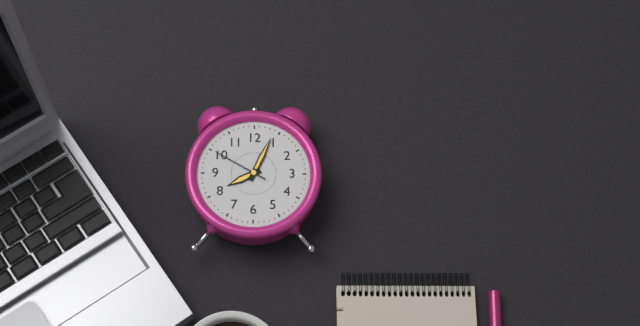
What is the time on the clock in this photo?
8:04:50
